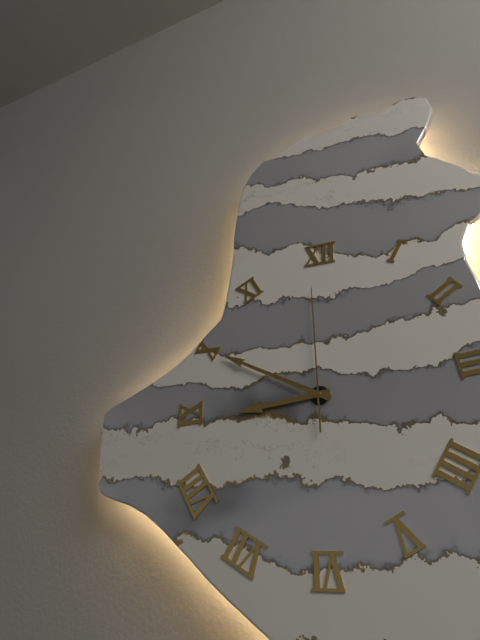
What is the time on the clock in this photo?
8:50:00
